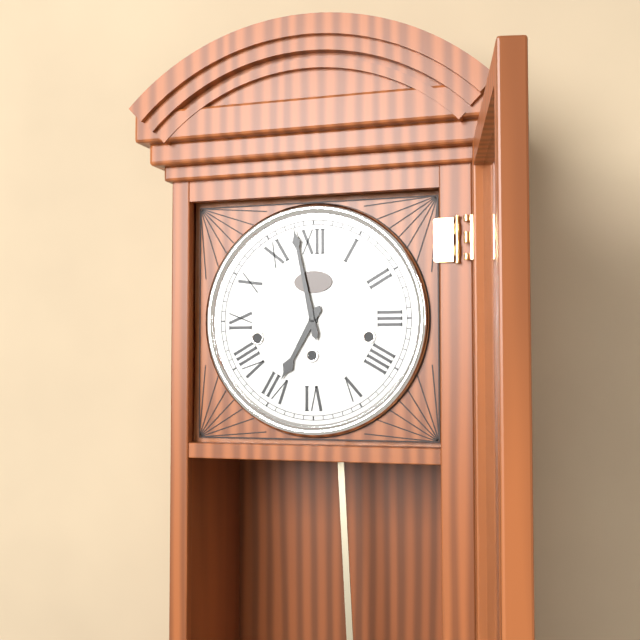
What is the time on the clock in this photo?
6:58
